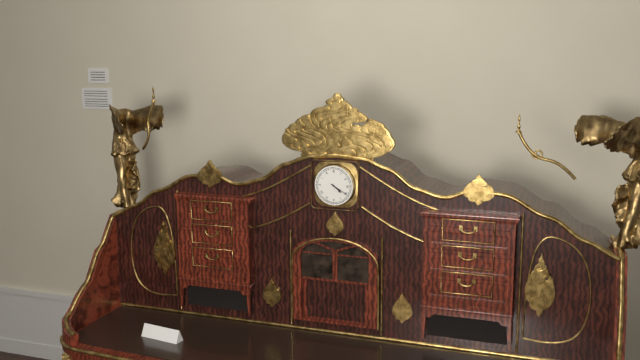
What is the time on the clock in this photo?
4:20
